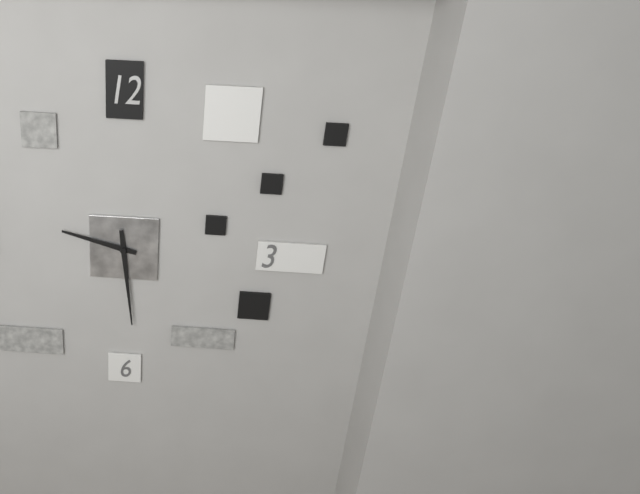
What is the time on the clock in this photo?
9:29
